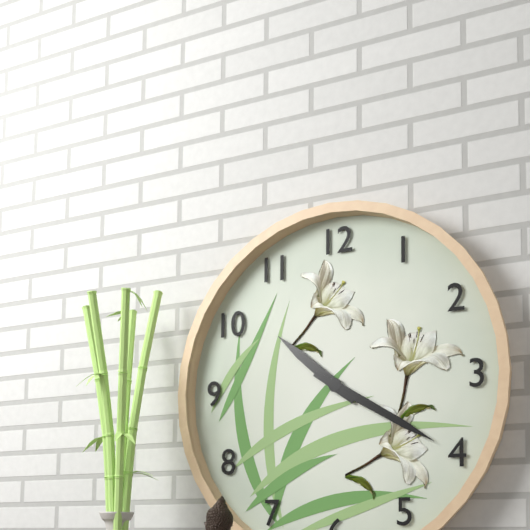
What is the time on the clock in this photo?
10:20
